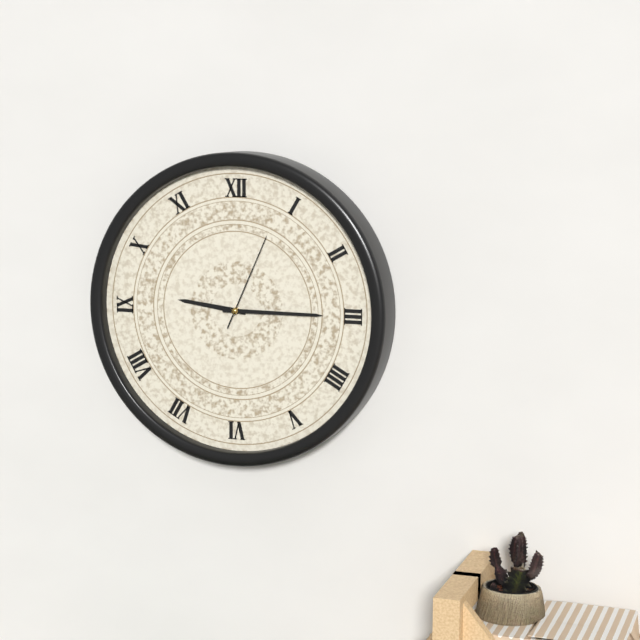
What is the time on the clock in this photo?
9:15:04
